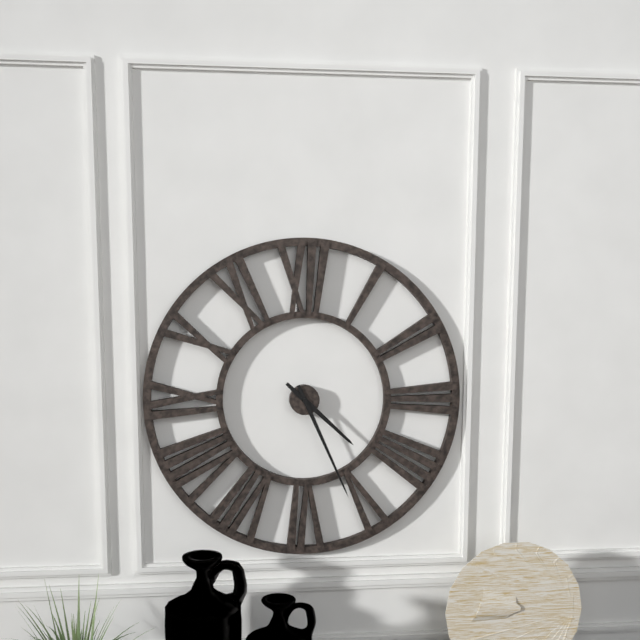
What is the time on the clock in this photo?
4:26
